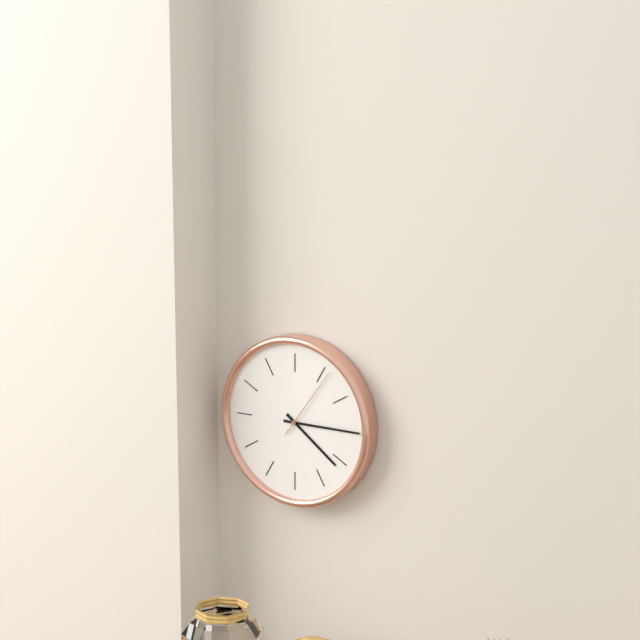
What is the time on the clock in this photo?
4:15:06
